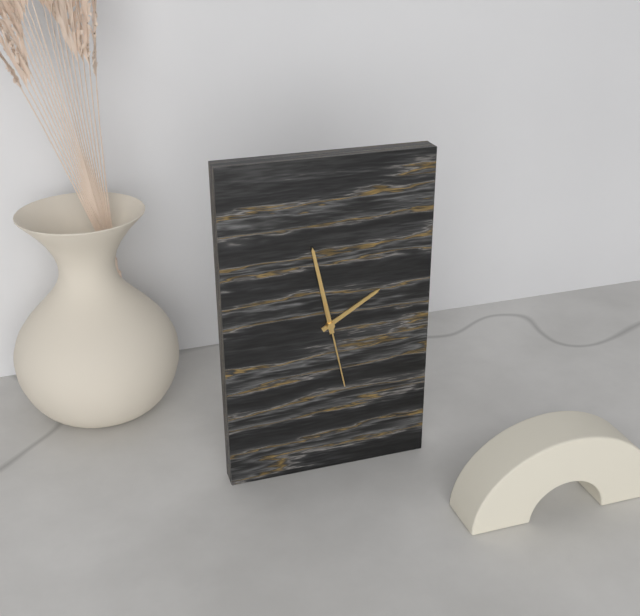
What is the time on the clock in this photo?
1:58:28
